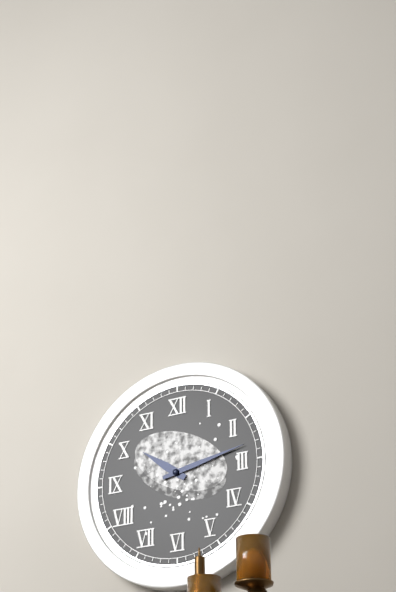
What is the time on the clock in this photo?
10:13
